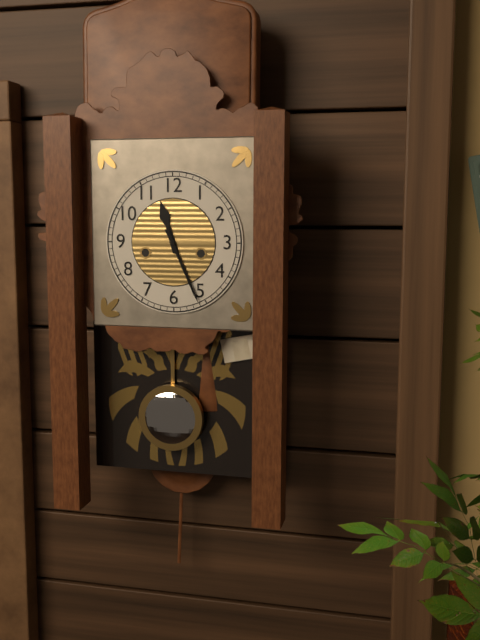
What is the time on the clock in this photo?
11:26
